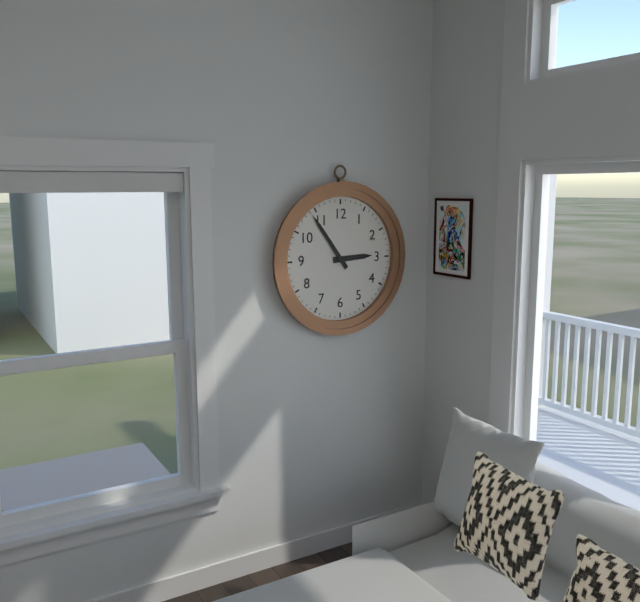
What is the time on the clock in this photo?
2:54
